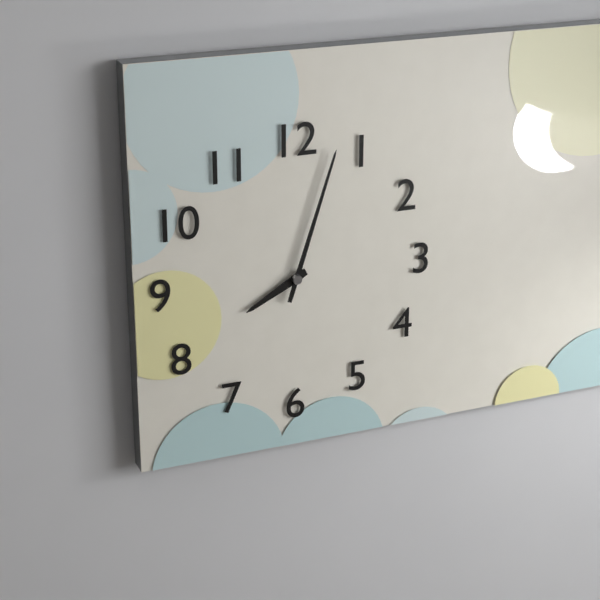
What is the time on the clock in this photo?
8:03
